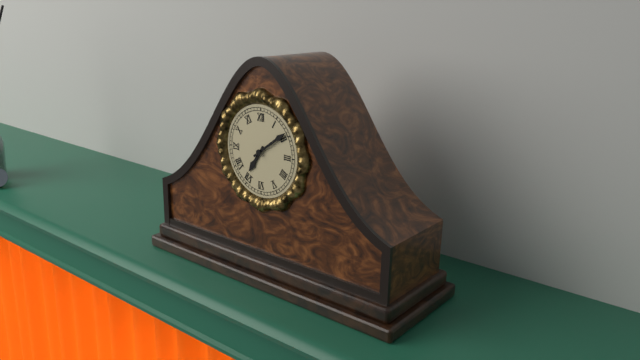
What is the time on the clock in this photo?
7:09
